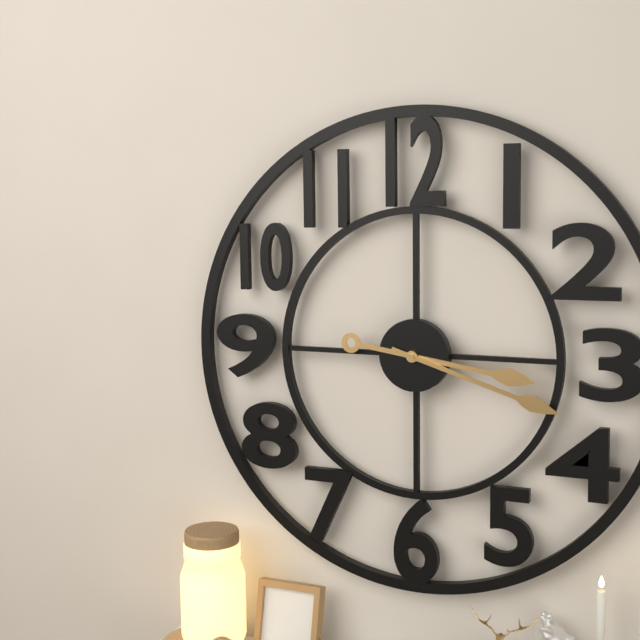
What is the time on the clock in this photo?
3:18
